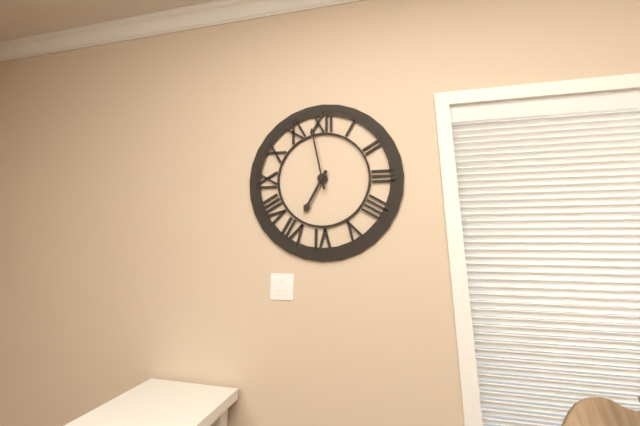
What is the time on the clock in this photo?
6:58
